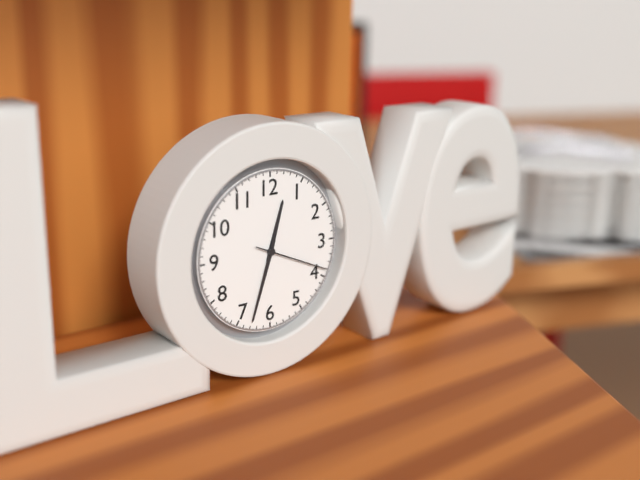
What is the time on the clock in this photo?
12:33:19
